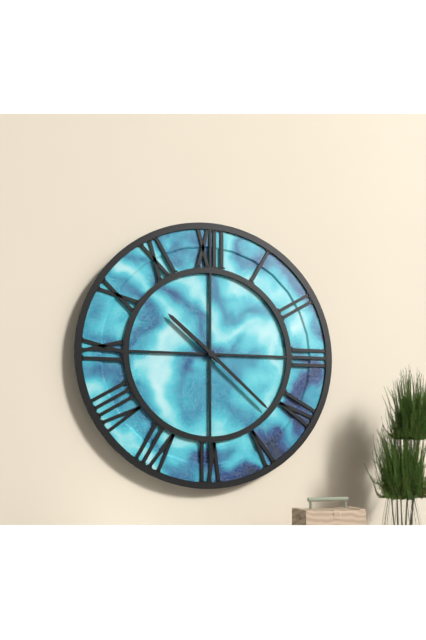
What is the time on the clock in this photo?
10:22
